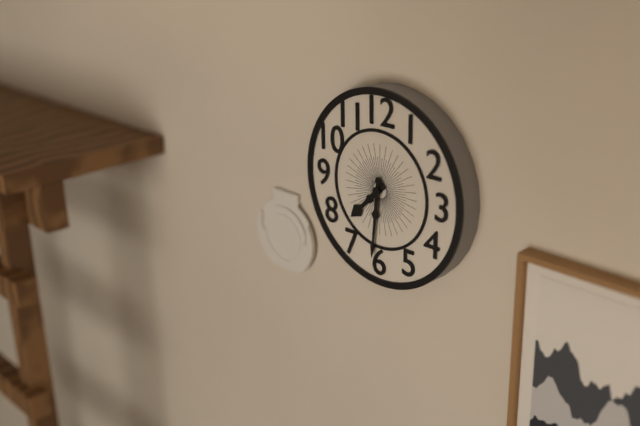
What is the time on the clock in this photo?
7:31
